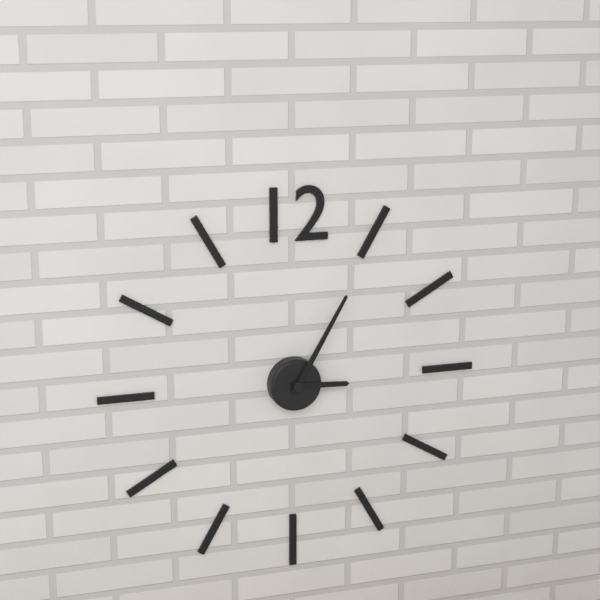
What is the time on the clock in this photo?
3:05
